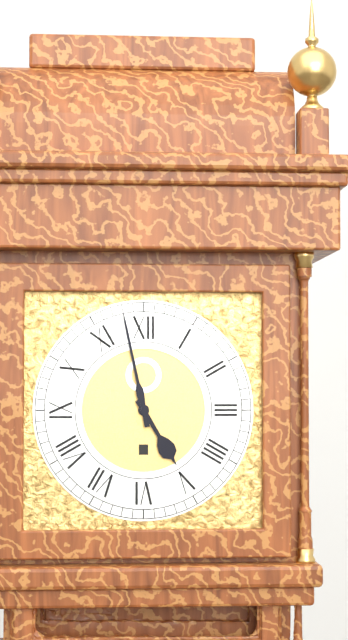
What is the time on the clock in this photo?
4:58
